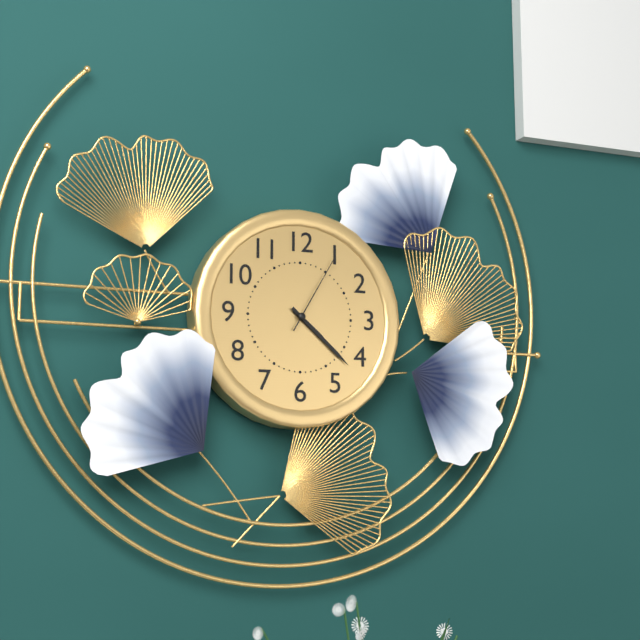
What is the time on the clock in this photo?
4:22:05
